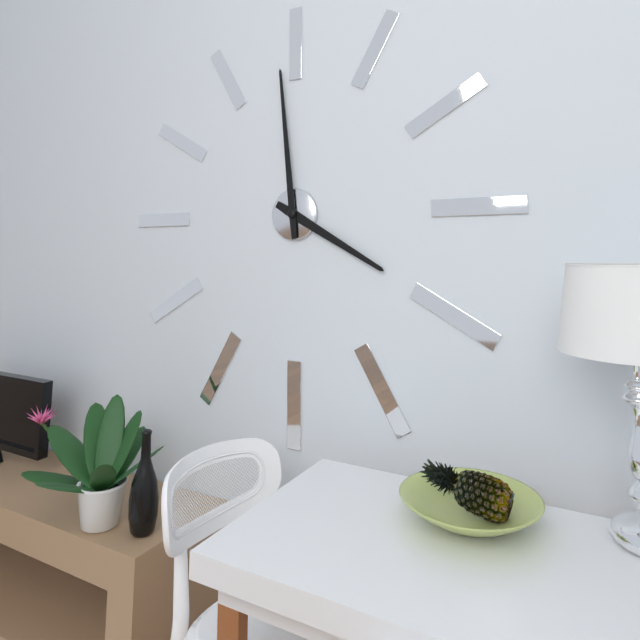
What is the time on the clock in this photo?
3:59
